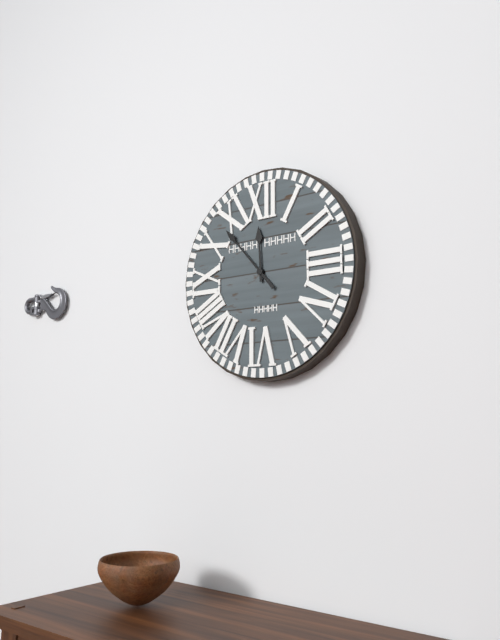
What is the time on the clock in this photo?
11:53
